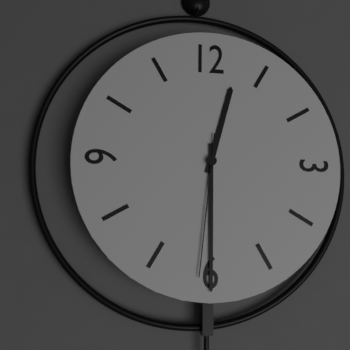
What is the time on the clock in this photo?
12:30:31
